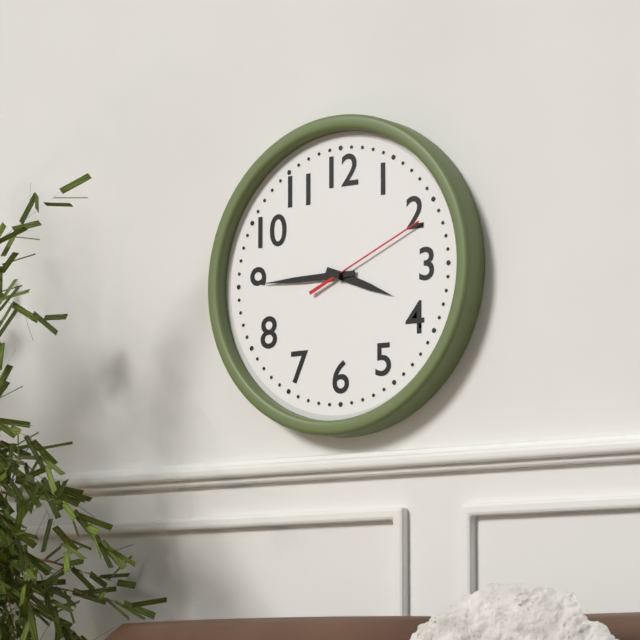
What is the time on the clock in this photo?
3:45:11
